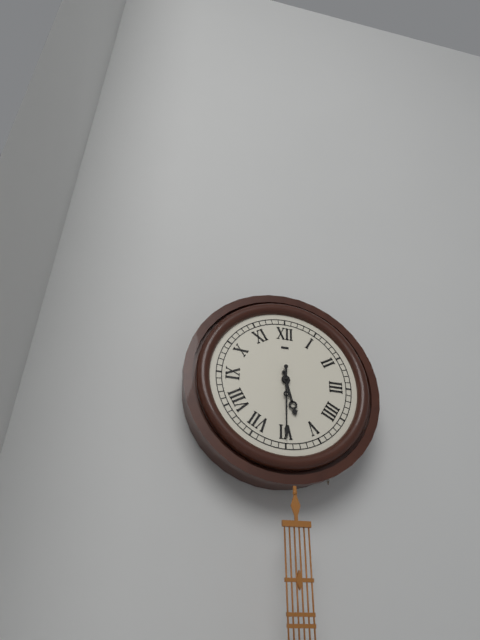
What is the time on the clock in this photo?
5:30
